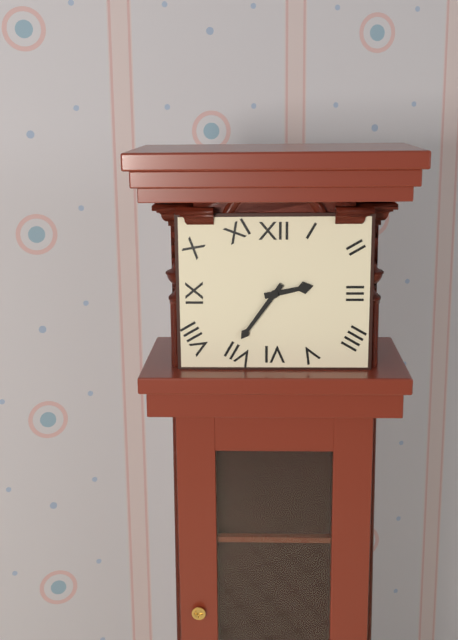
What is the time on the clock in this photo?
2:36
